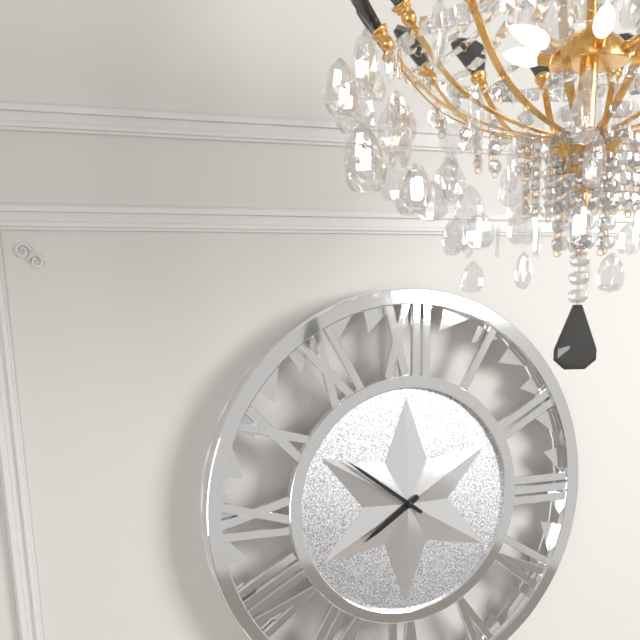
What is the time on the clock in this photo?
7:51
